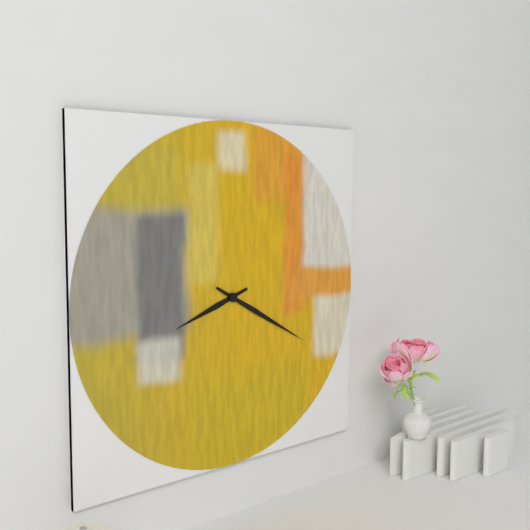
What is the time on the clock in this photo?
8:20
